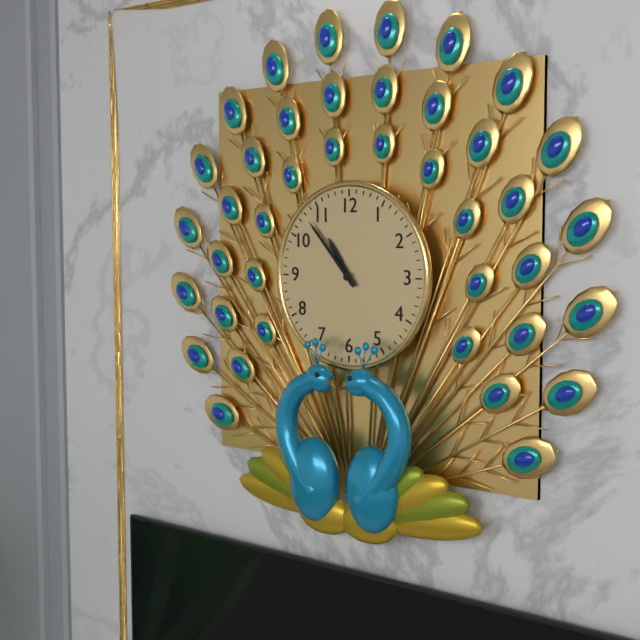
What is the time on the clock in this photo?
10:53
